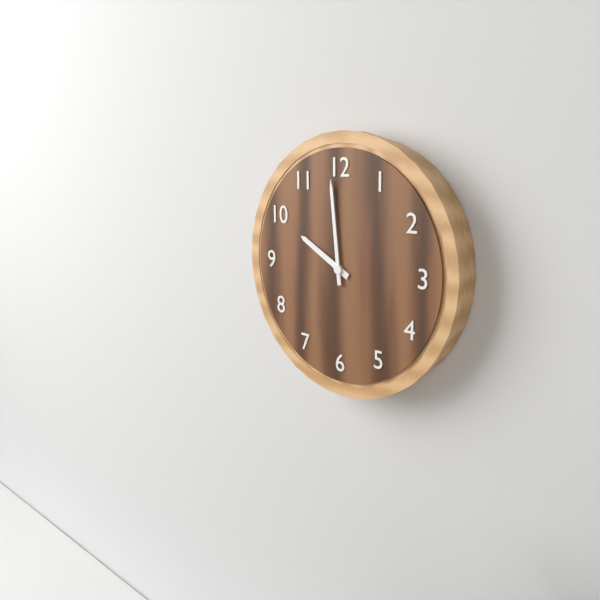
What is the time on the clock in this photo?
9:59
